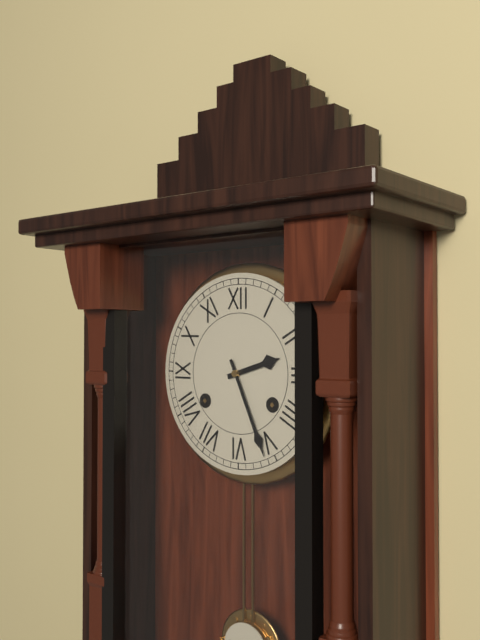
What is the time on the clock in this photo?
2:26
